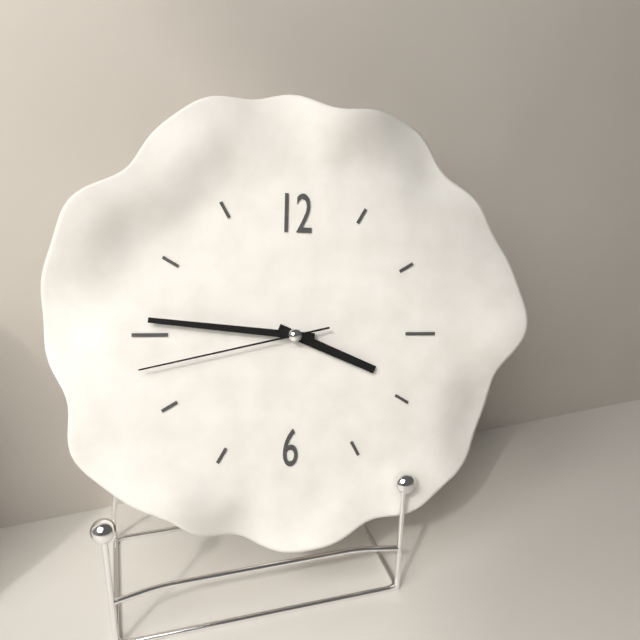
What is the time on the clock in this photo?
3:46:43
